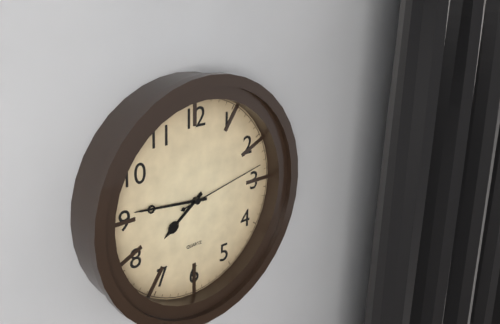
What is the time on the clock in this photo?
7:46:13
